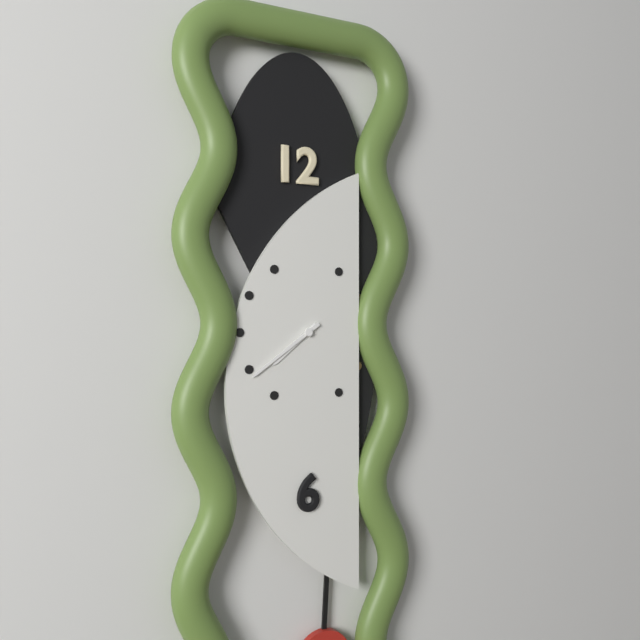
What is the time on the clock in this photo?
7:39
